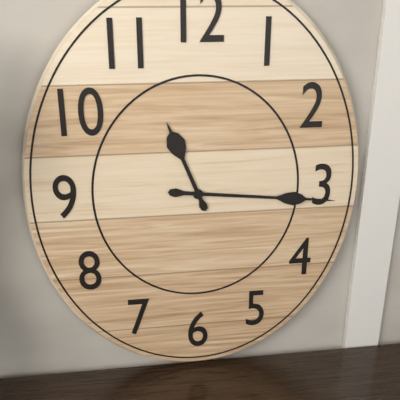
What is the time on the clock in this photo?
11:16
